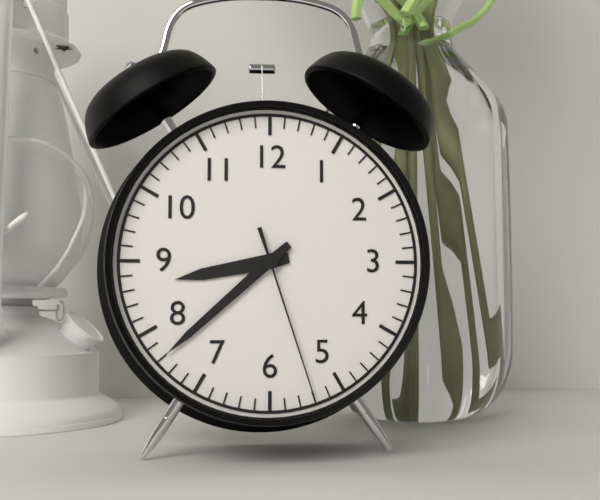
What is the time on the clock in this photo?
8:38:27
